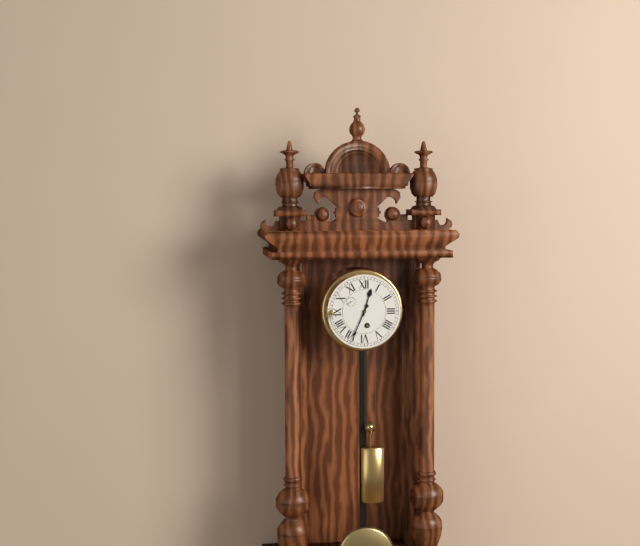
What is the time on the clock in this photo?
12:34
